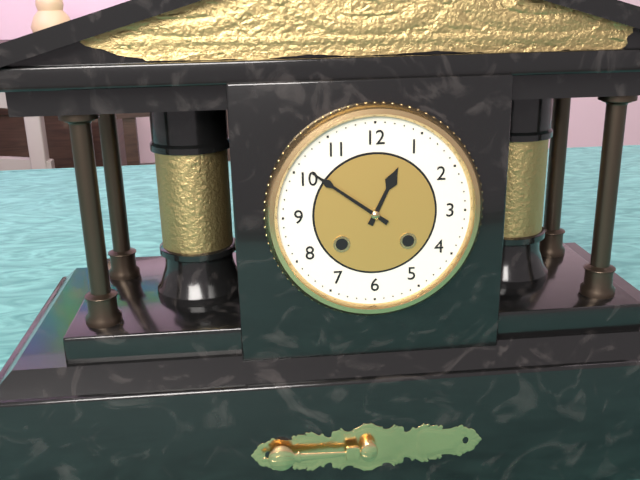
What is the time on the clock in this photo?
12:51
